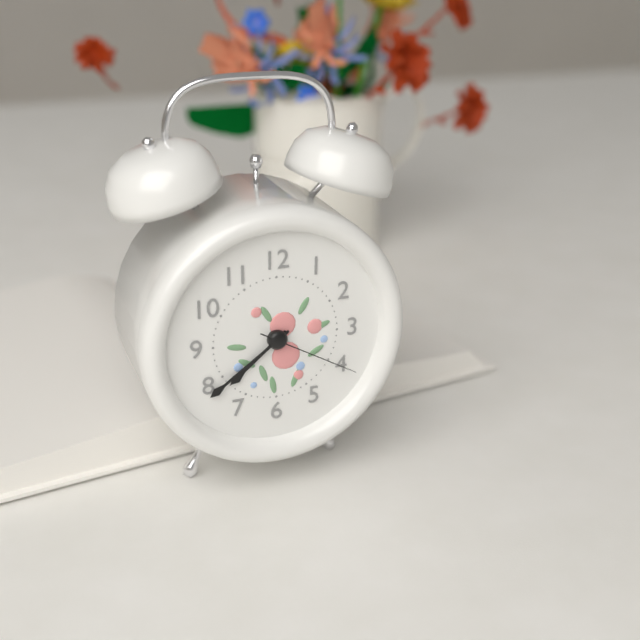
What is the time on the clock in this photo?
7:39:20
